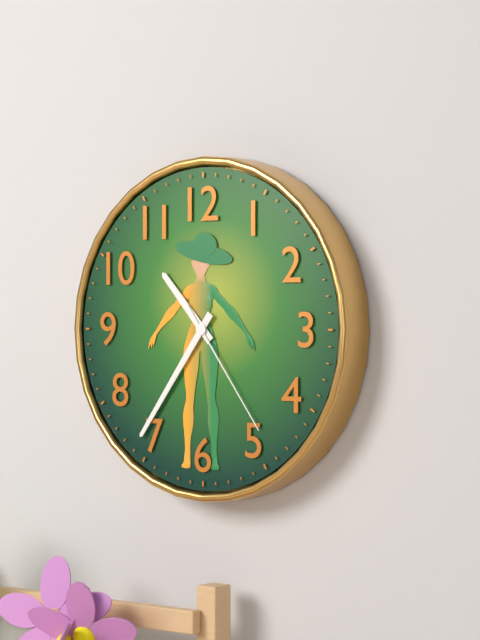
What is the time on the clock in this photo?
10:36:24
